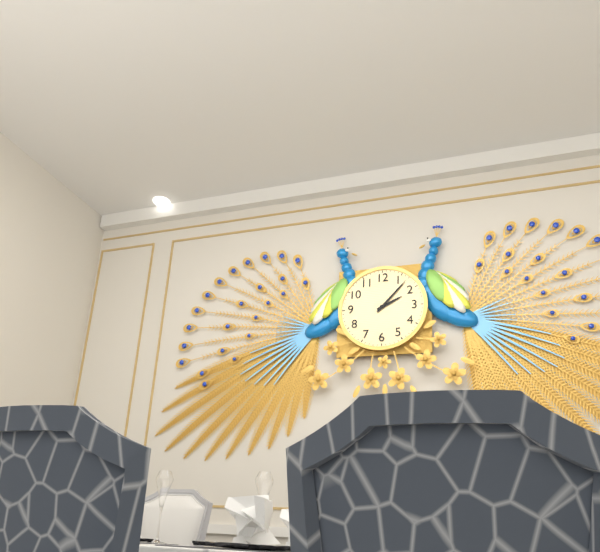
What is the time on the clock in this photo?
2:07
